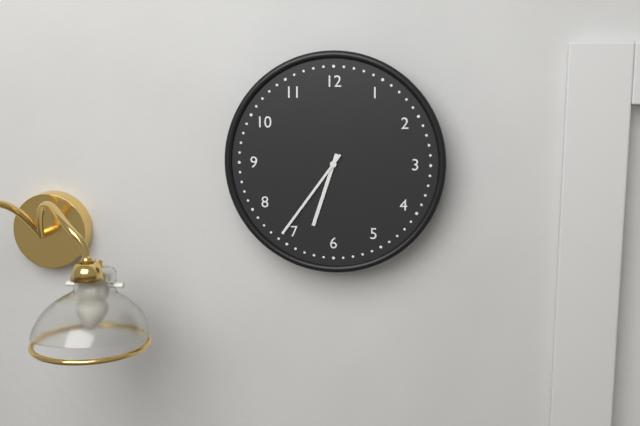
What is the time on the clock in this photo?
6:36
